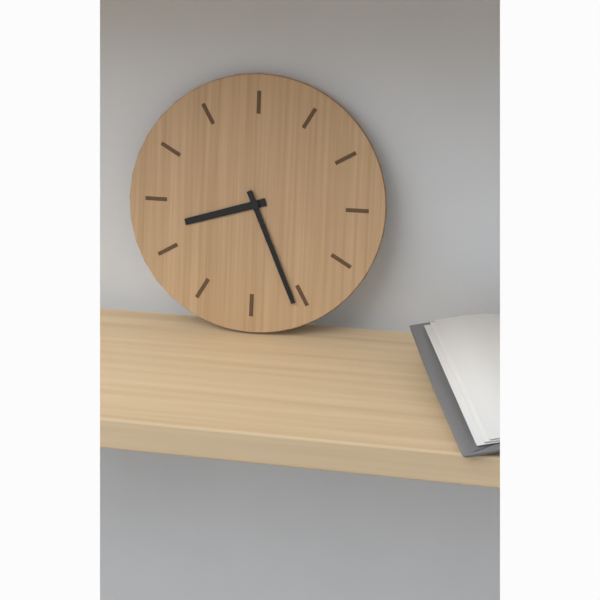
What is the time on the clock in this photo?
8:26
